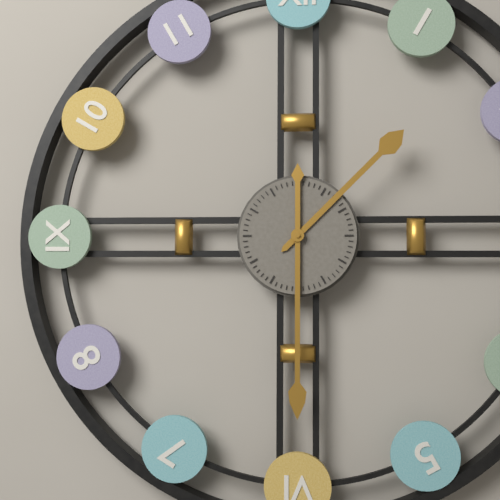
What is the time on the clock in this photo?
1:30
